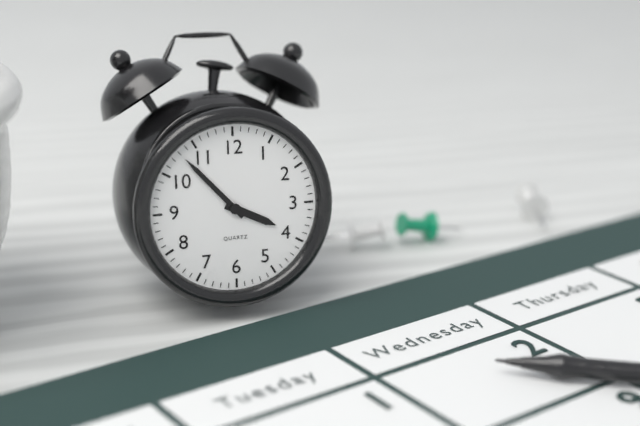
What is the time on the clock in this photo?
3:53
